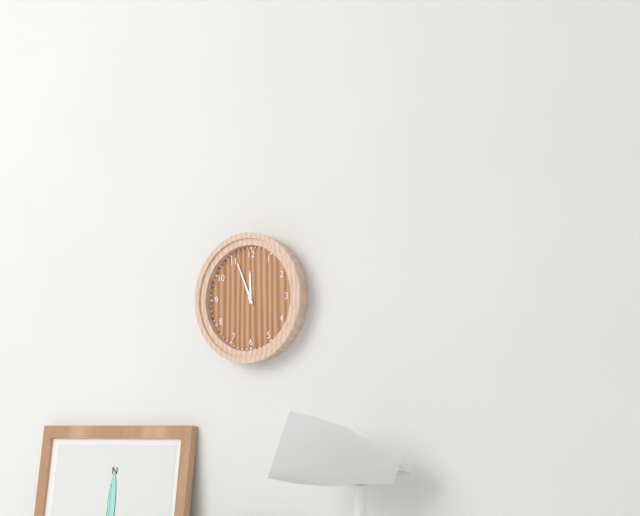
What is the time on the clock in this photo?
11:56
